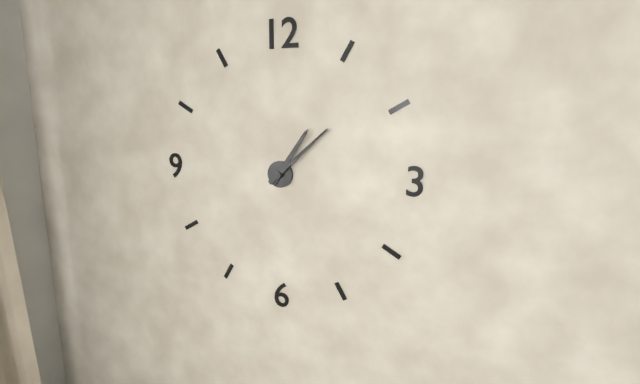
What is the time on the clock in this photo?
1:08
